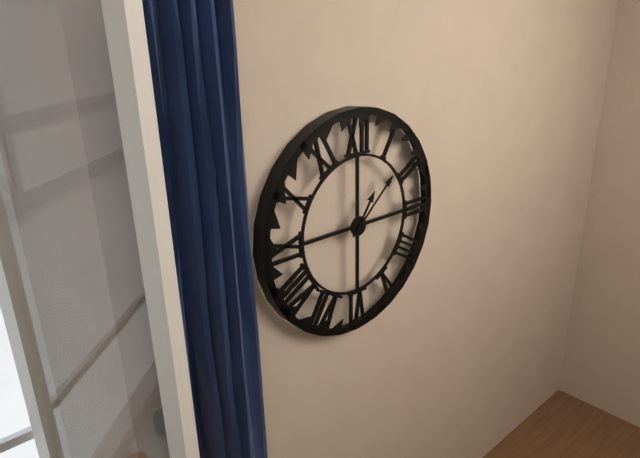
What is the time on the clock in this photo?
1:08
